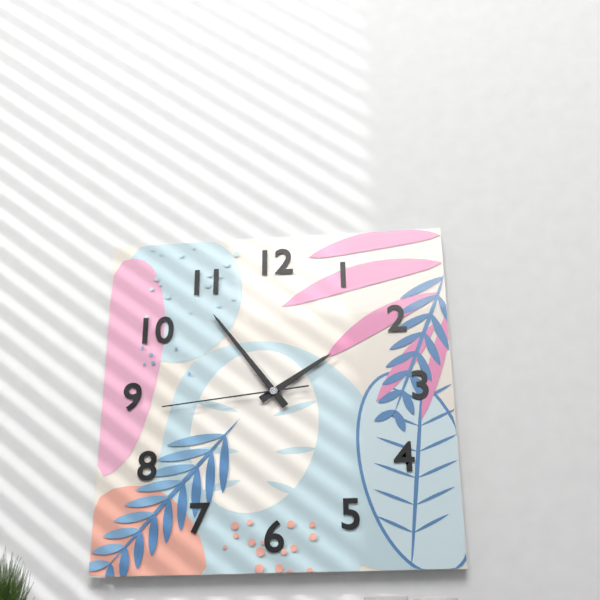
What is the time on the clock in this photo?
1:54:44
